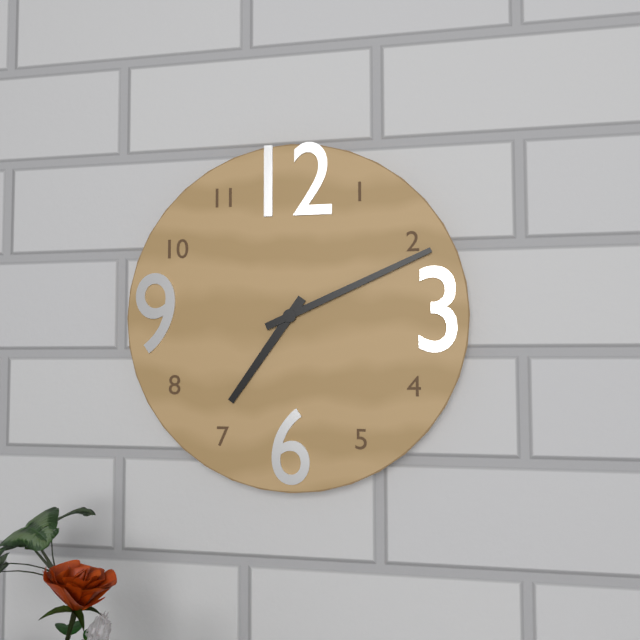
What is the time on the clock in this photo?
7:11
